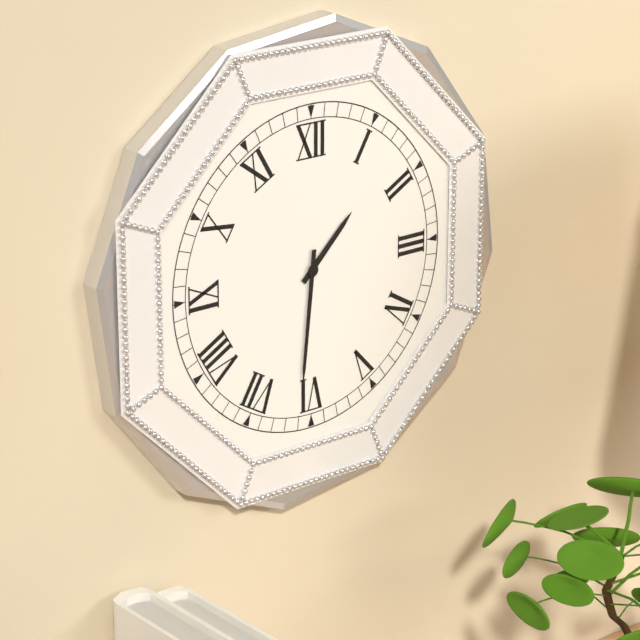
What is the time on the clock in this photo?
1:31
